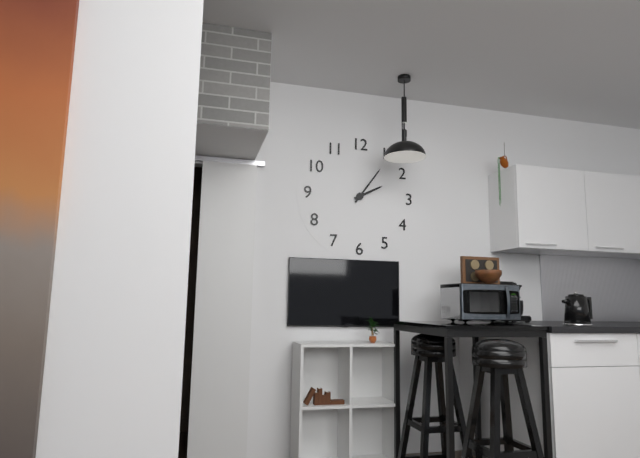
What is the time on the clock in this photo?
2:06
